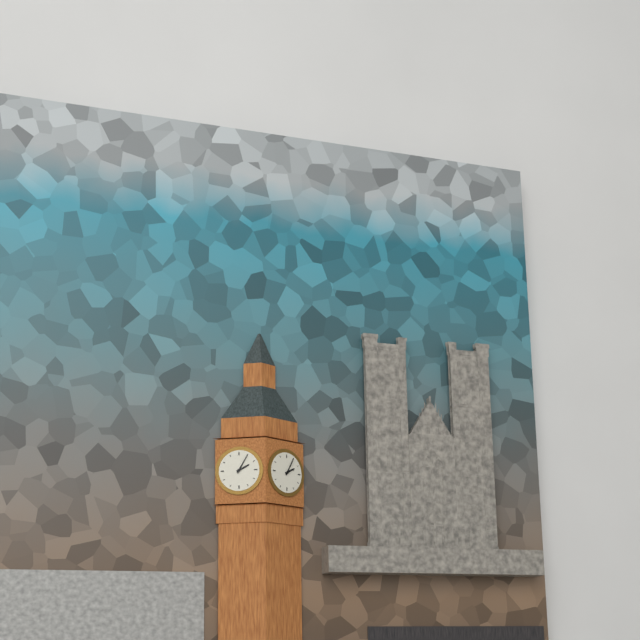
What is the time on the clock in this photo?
2:05
